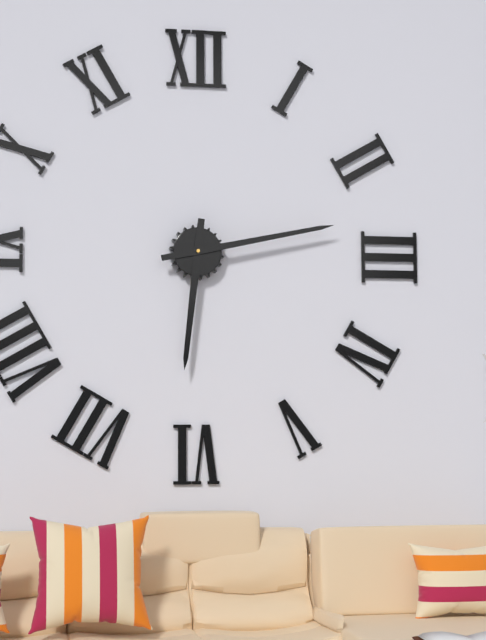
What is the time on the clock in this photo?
6:13
